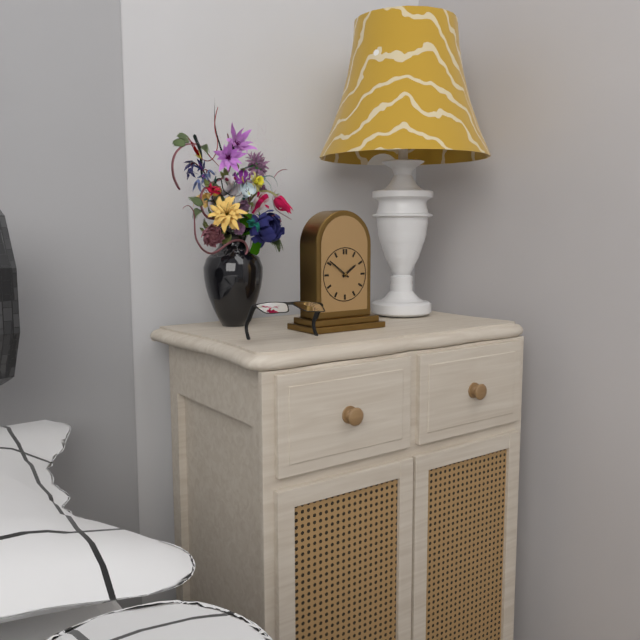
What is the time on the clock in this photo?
1:51
